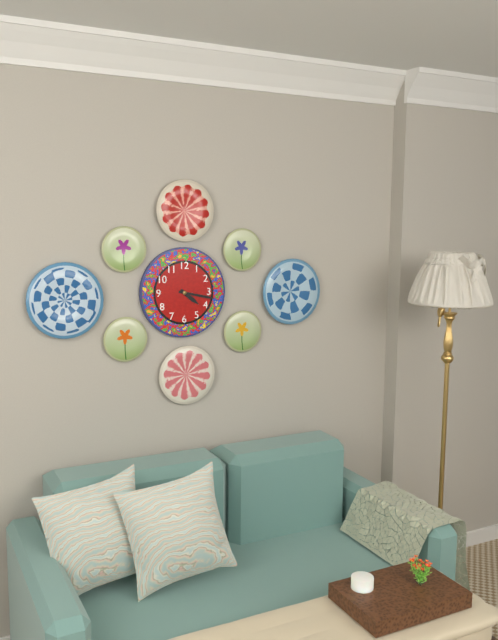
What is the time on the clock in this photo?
4:17
